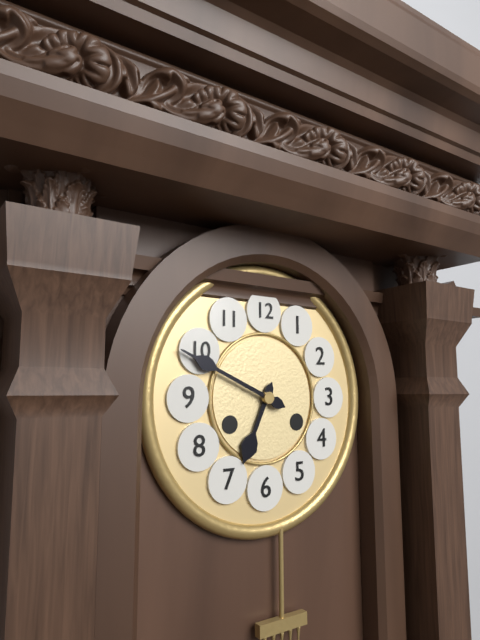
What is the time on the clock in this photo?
6:49
